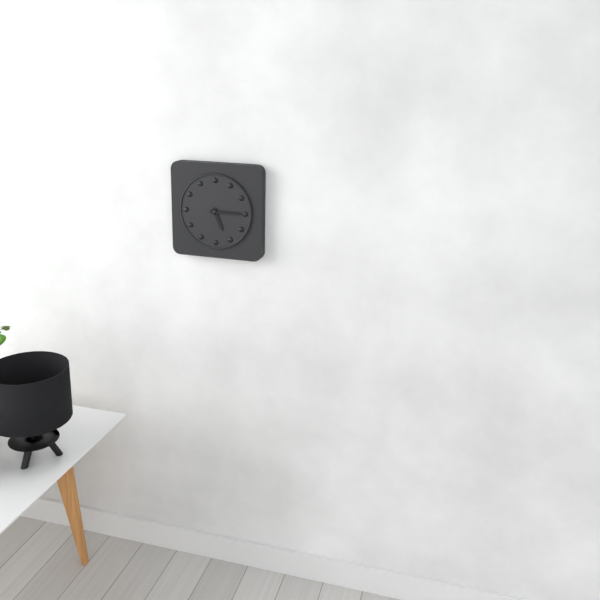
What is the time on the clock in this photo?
5:15
